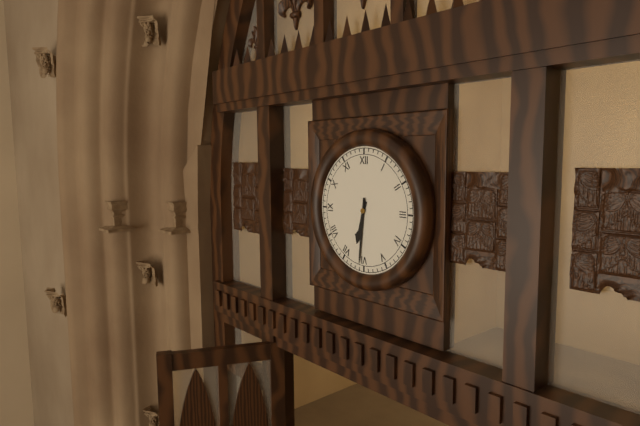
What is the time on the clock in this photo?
6:31
